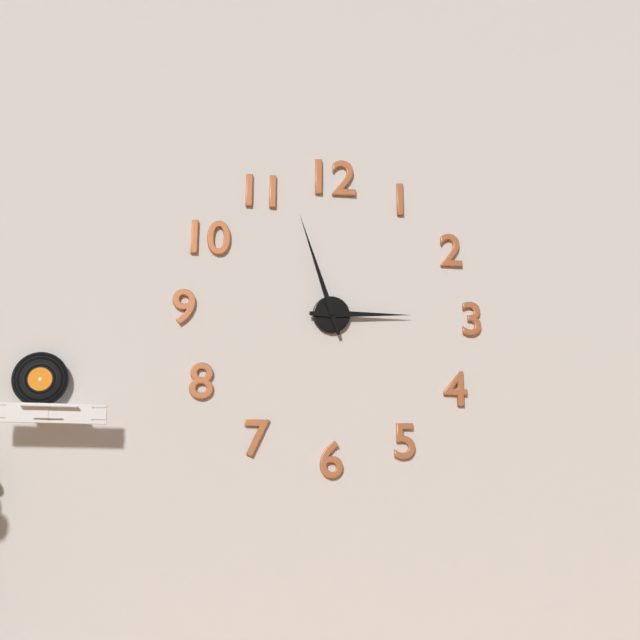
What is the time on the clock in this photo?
2:57
